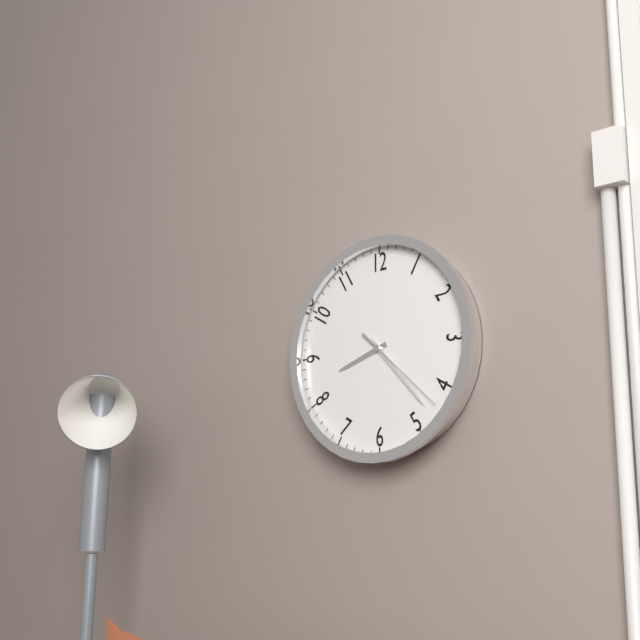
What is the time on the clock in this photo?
8:23:22
